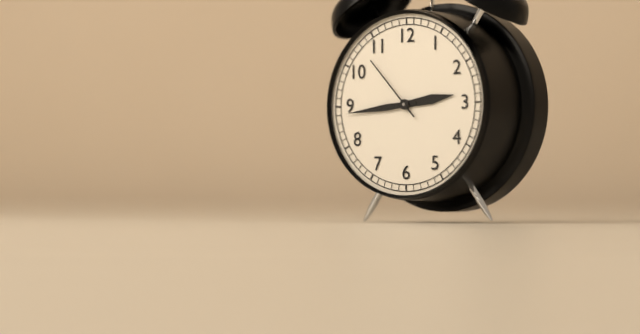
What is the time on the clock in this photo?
2:44:53
